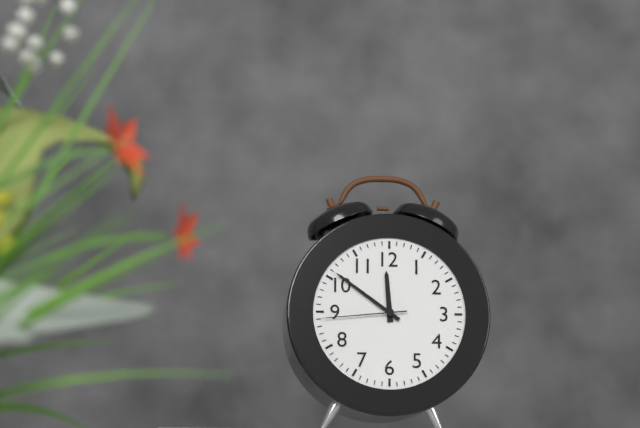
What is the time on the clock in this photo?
11:51:44
